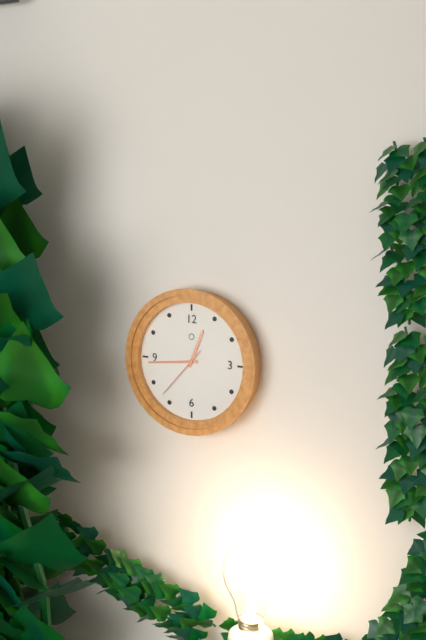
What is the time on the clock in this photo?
12:44:37
